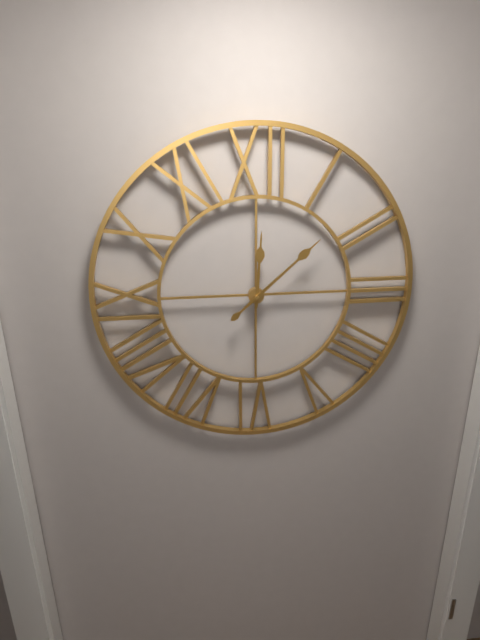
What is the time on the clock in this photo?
12:08
